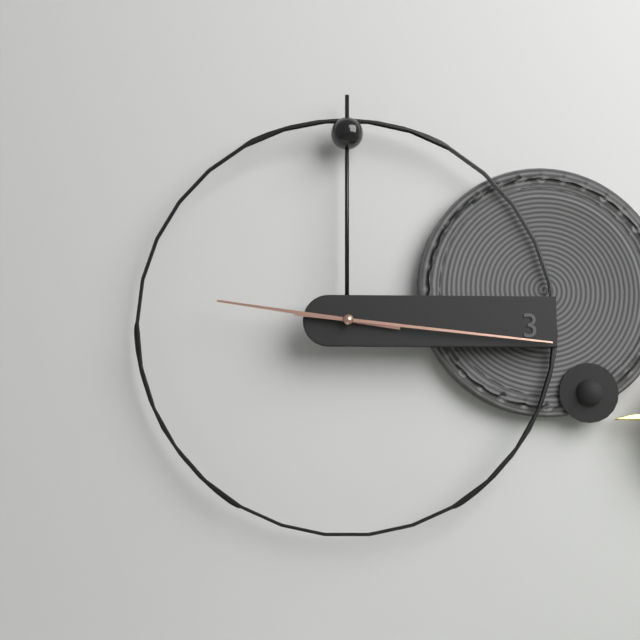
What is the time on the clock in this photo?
9:16
